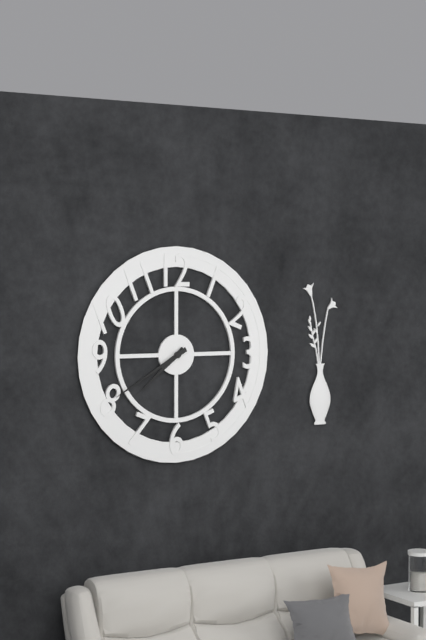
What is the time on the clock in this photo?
7:40
